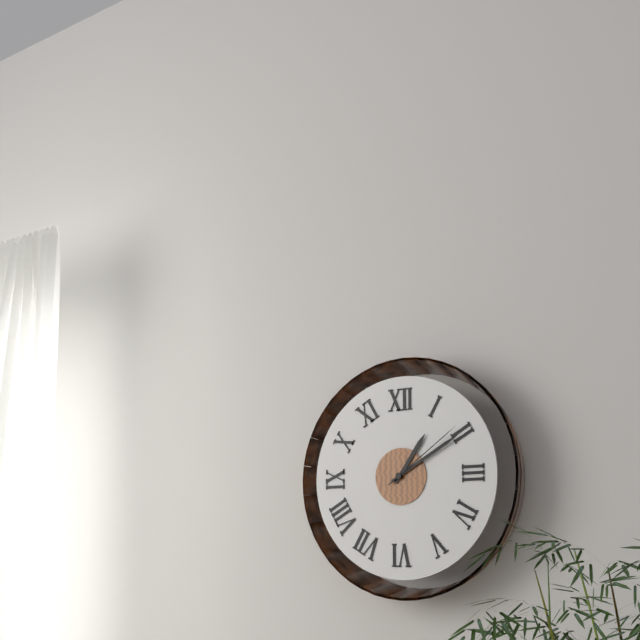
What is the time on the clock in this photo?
1:10:09
